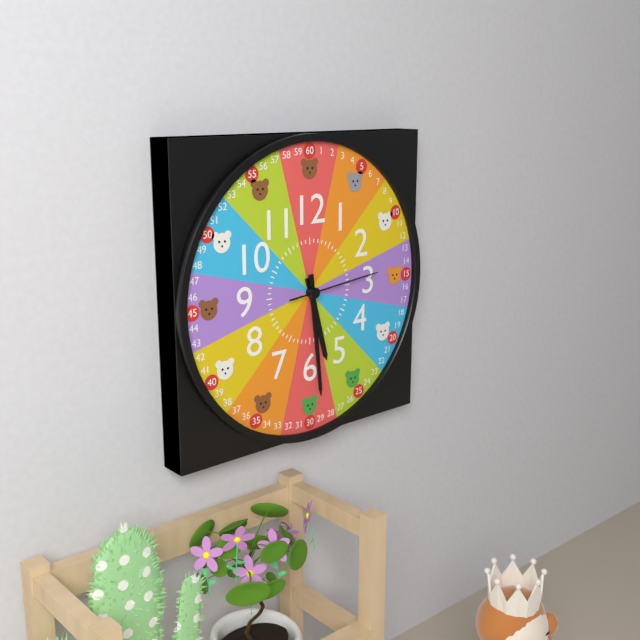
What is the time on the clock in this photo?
5:29:14
